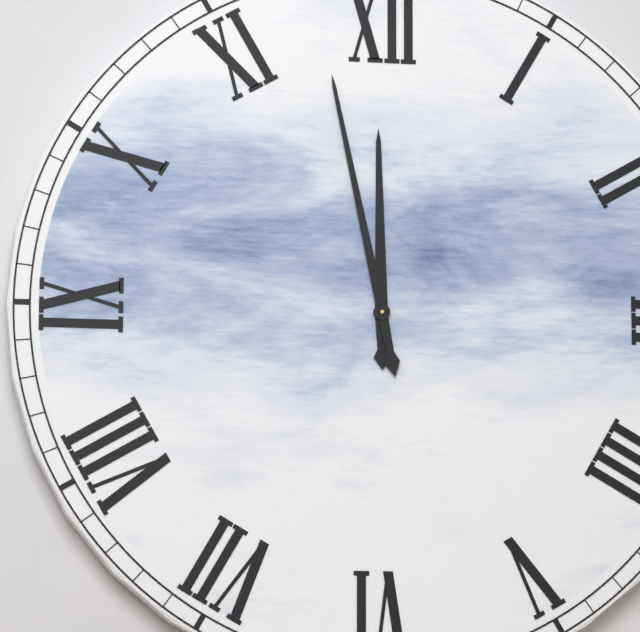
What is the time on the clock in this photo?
11:58
